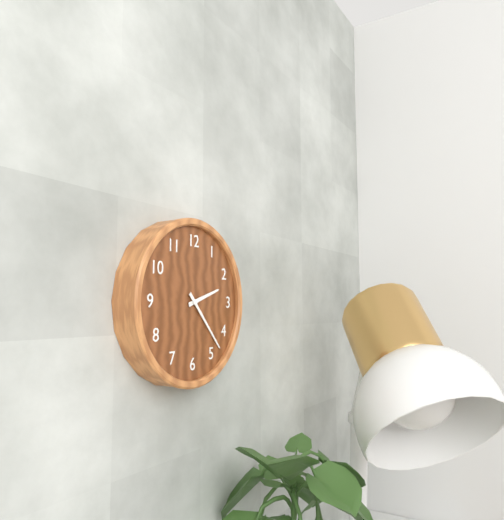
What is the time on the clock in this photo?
2:23
